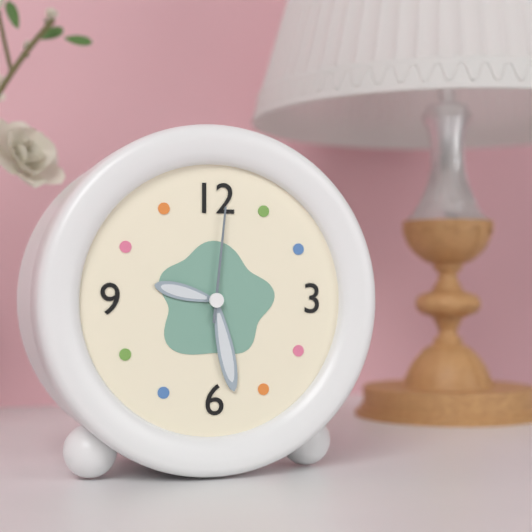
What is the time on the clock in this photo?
9:28:01
